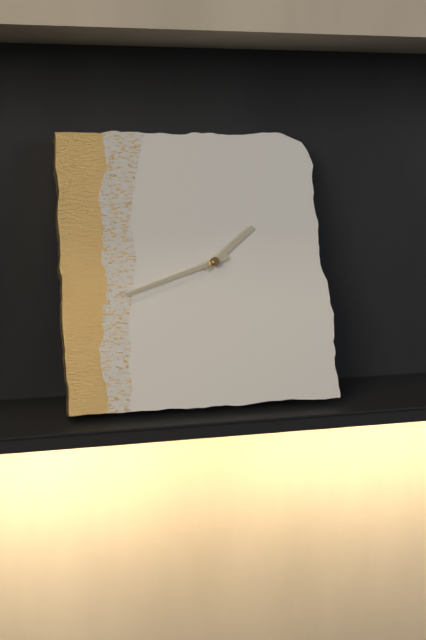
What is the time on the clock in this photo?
1:42
